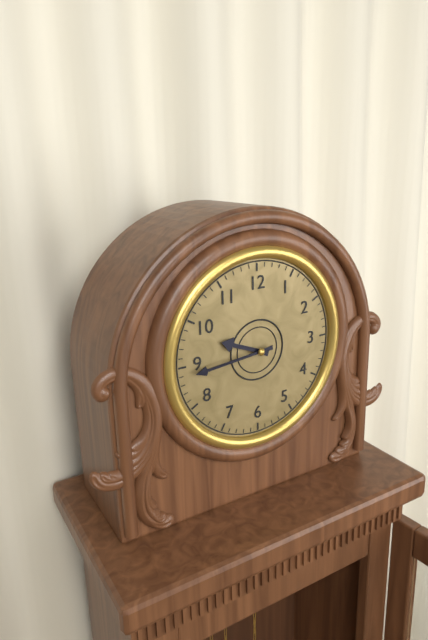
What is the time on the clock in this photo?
9:44
